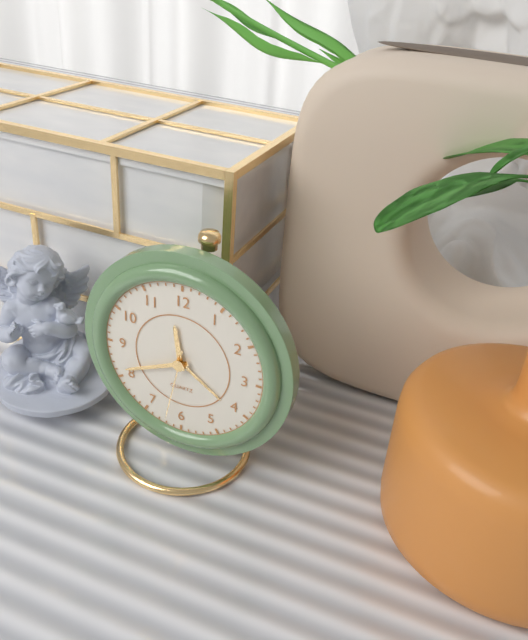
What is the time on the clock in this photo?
11:41:32
